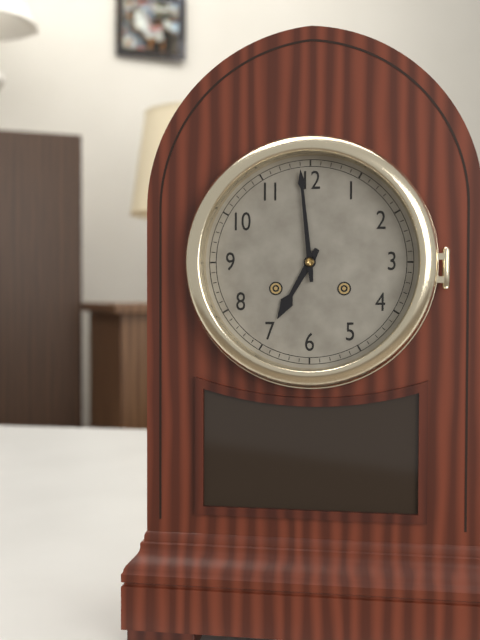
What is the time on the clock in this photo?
6:59
